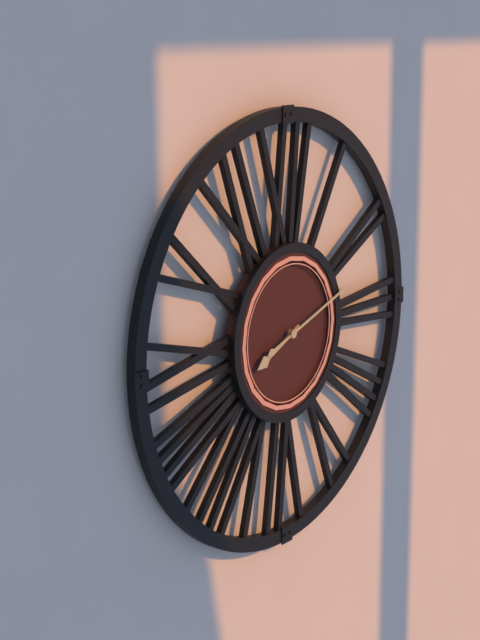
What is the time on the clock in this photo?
8:12
